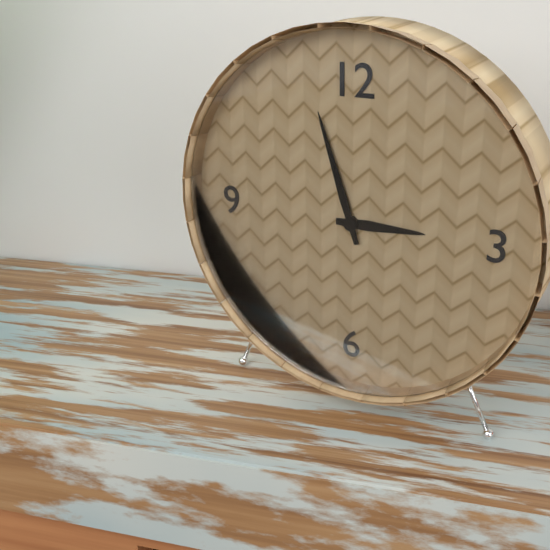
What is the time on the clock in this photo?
2:57
